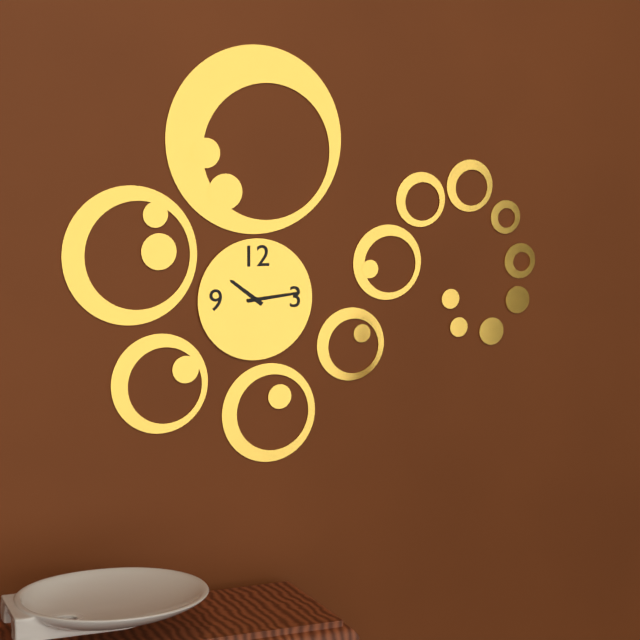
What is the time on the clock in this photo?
10:14
